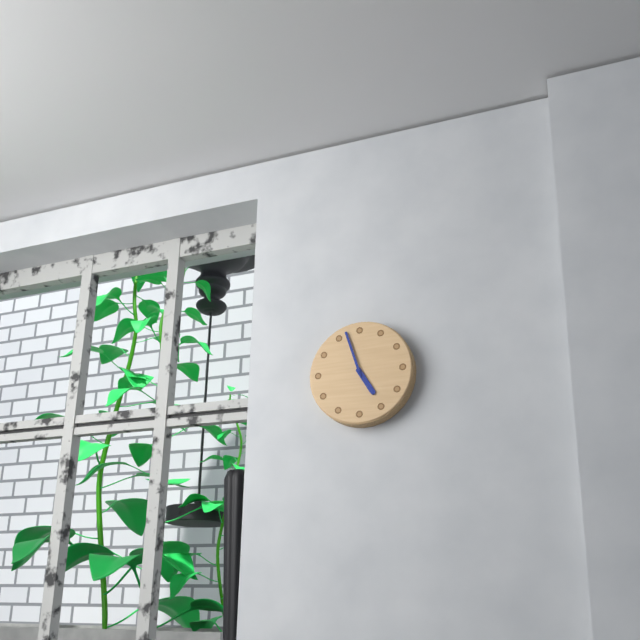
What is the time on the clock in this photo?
4:57
